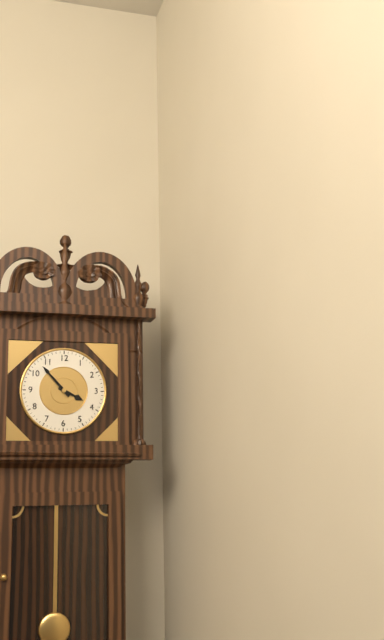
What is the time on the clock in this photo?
3:53
